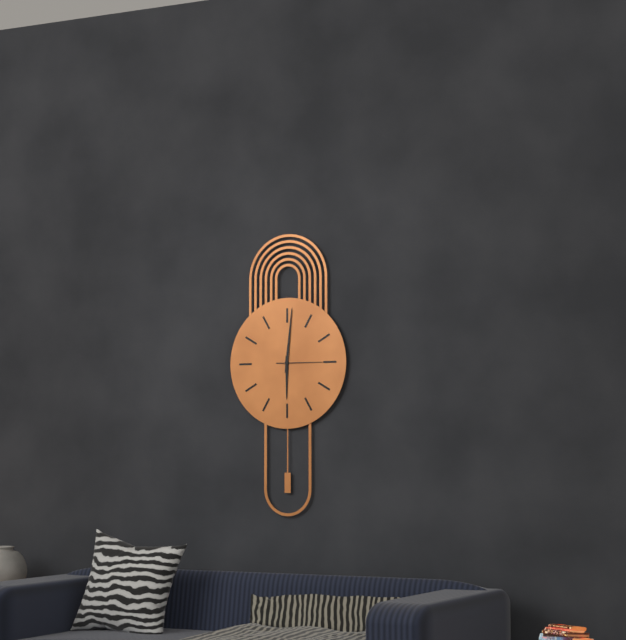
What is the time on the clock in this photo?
6:01
